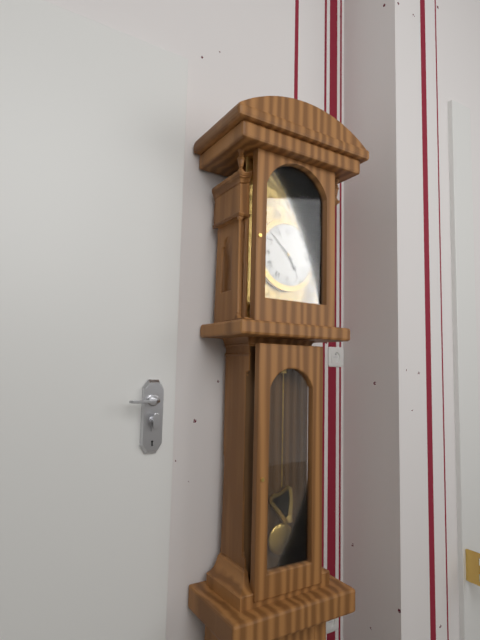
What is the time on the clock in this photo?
4:52
